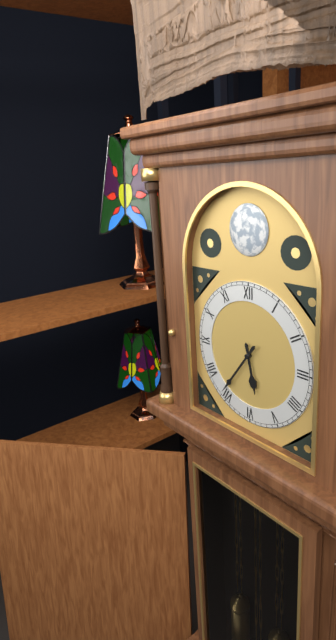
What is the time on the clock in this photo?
5:36
